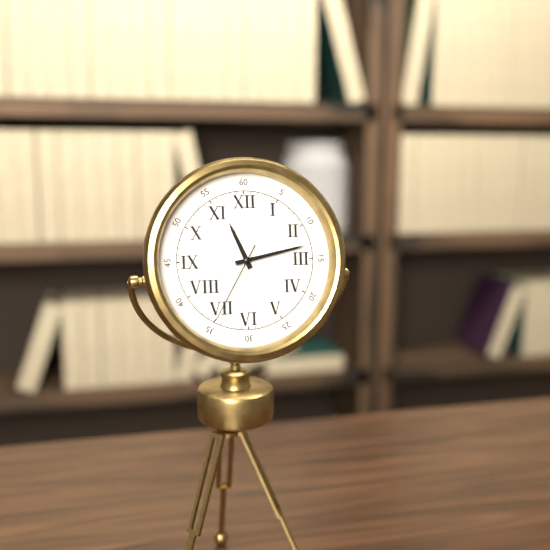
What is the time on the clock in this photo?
11:13:35
